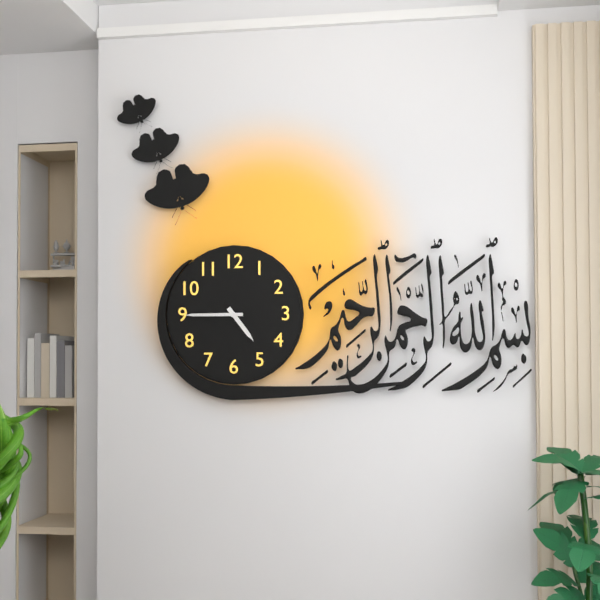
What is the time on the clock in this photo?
4:45
